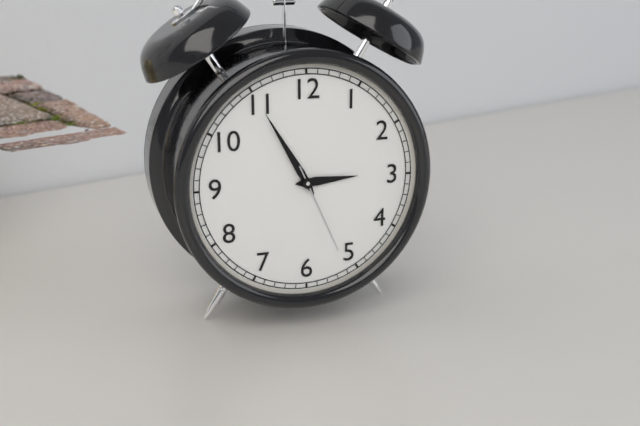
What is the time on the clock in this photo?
2:55:26
